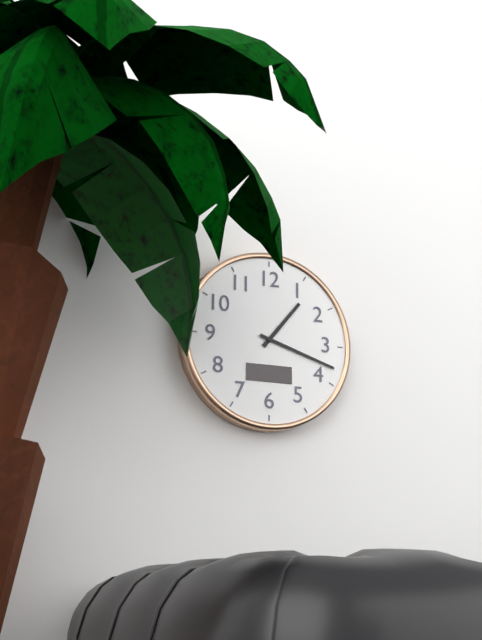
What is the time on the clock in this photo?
1:18
